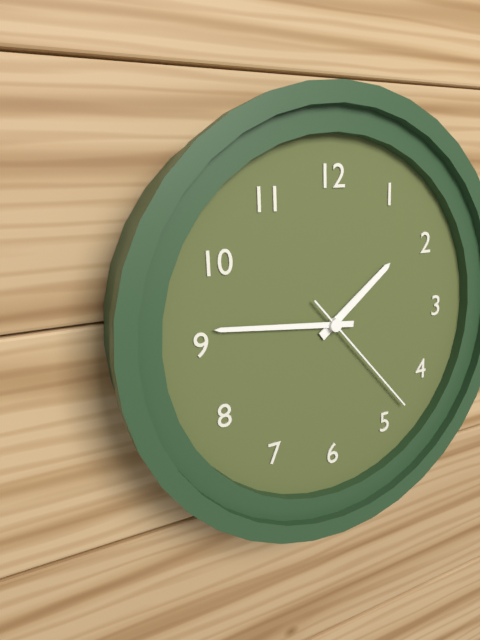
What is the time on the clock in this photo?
1:46:23
